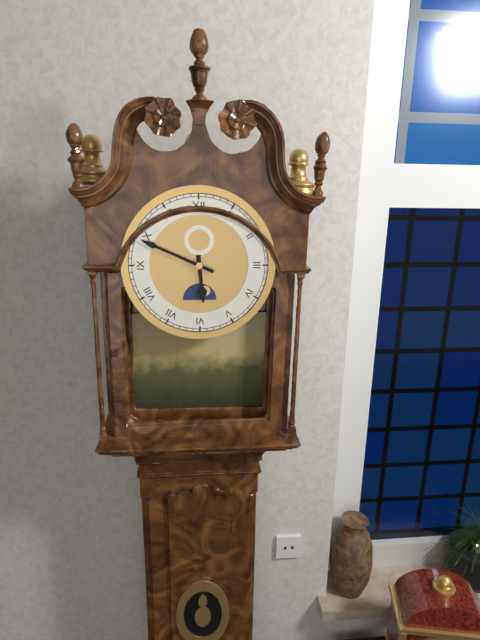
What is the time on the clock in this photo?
5:49
